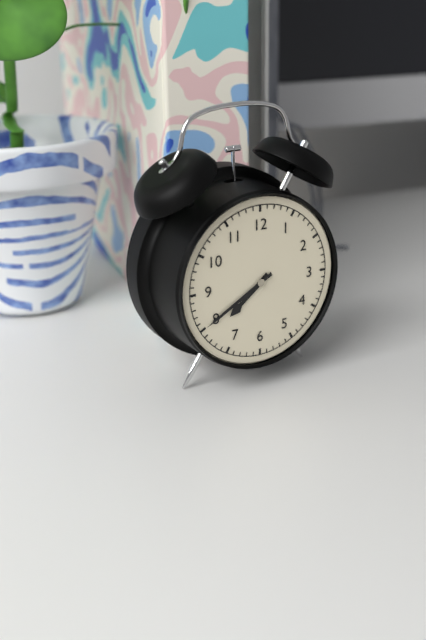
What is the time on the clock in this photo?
7:40
